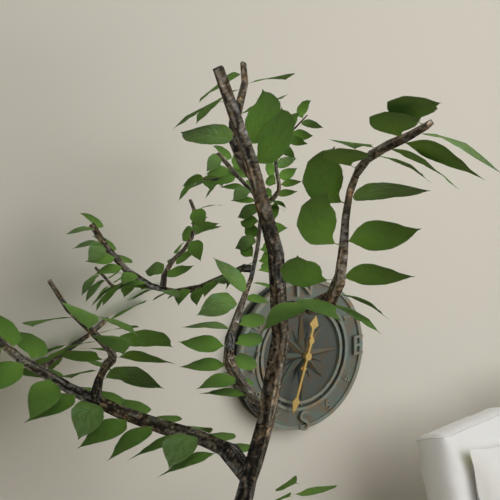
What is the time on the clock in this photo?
12:33
